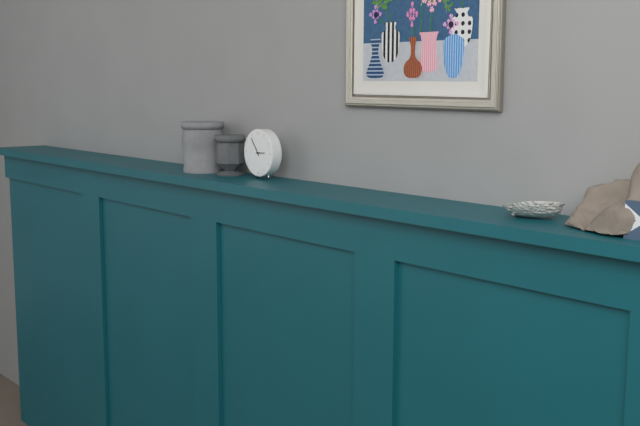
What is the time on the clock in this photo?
2:54
